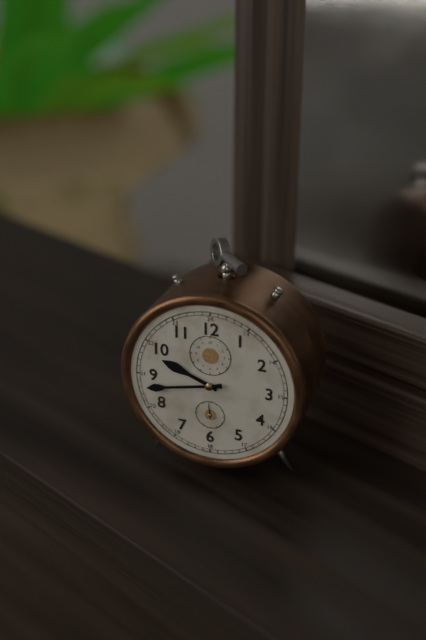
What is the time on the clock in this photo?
9:43
